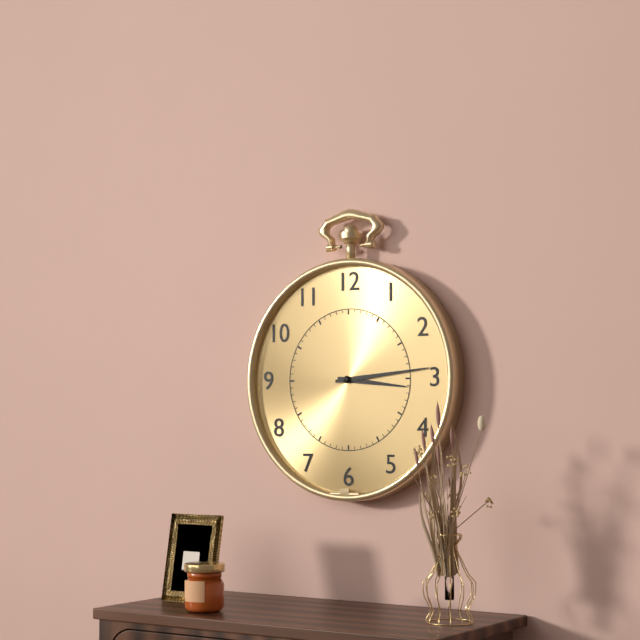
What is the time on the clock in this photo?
3:14
